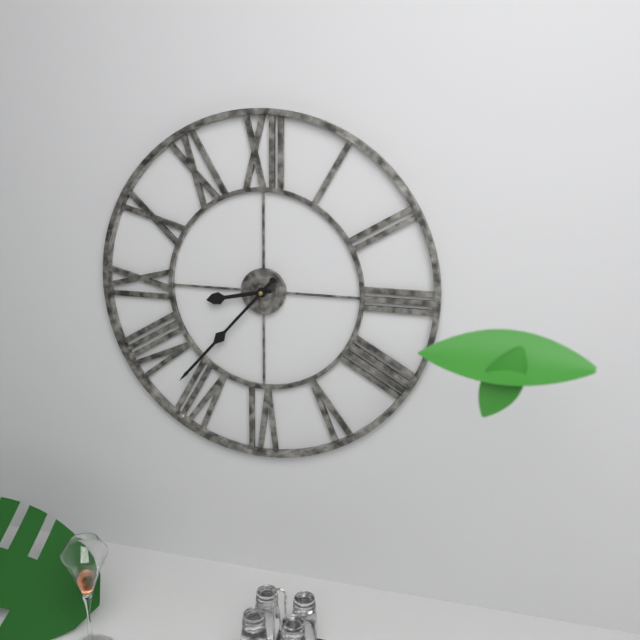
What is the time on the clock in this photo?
8:37
